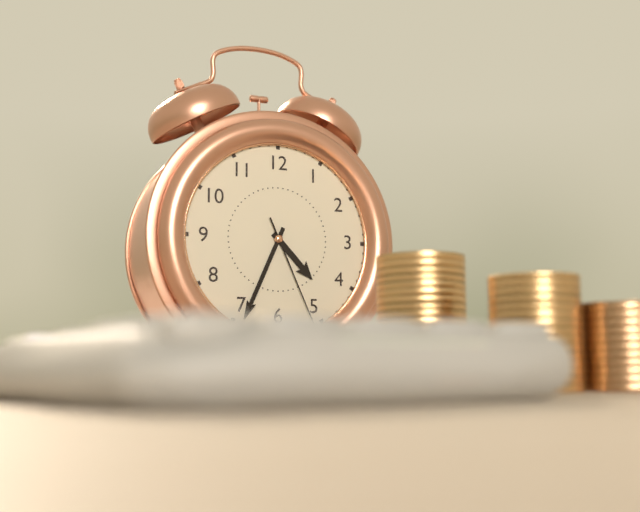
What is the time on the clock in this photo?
4:34:26
